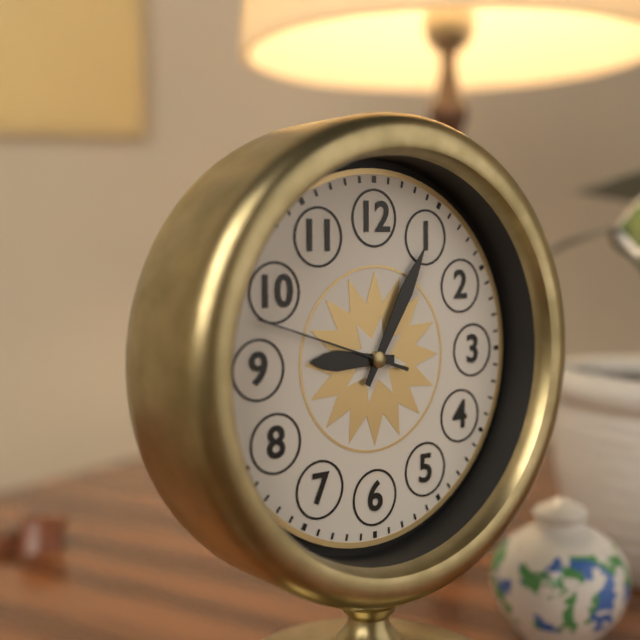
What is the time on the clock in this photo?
9:05:48
